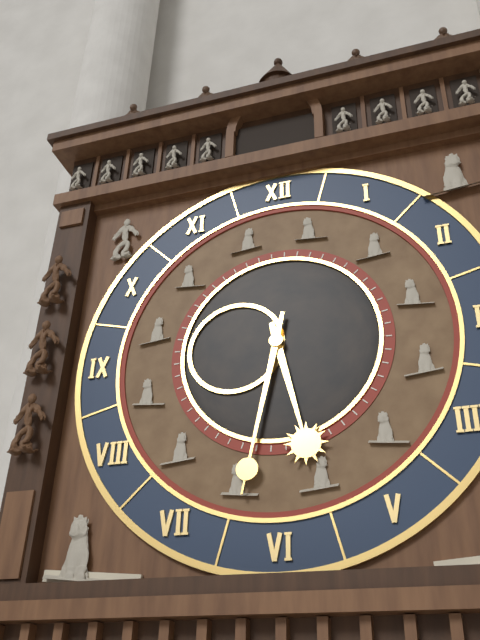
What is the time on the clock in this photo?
5:32
